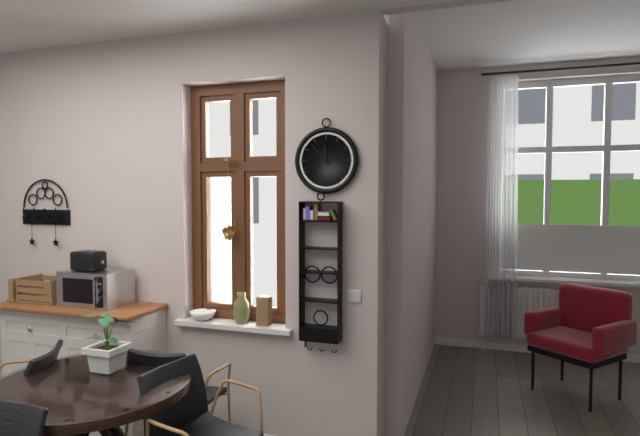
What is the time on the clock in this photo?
11:53
